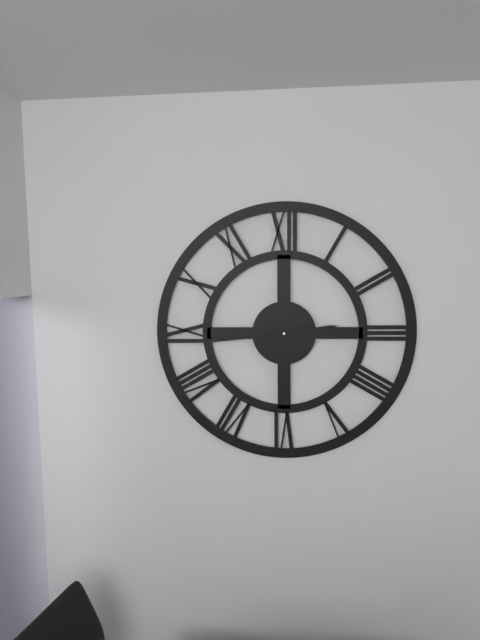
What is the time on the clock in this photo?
2:44
